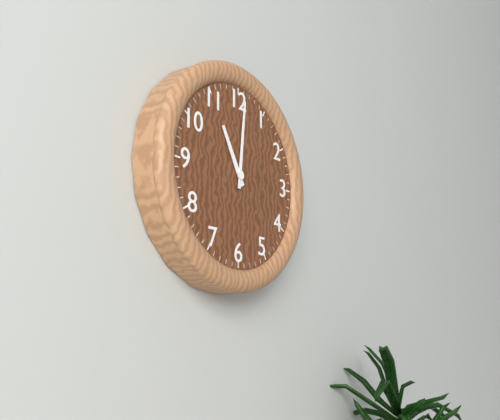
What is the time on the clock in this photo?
11:01
